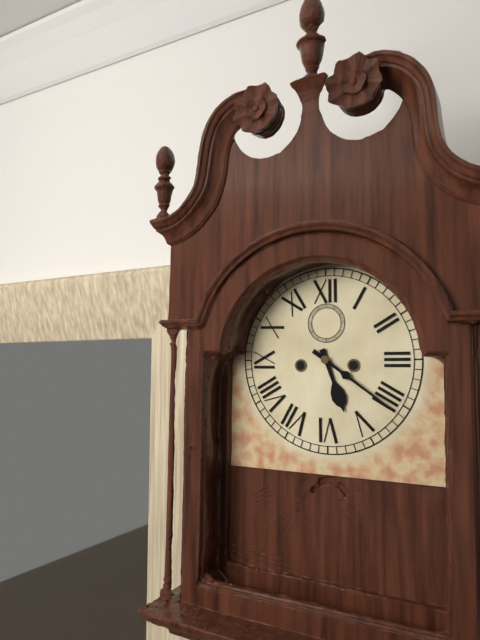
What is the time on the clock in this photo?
5:21
